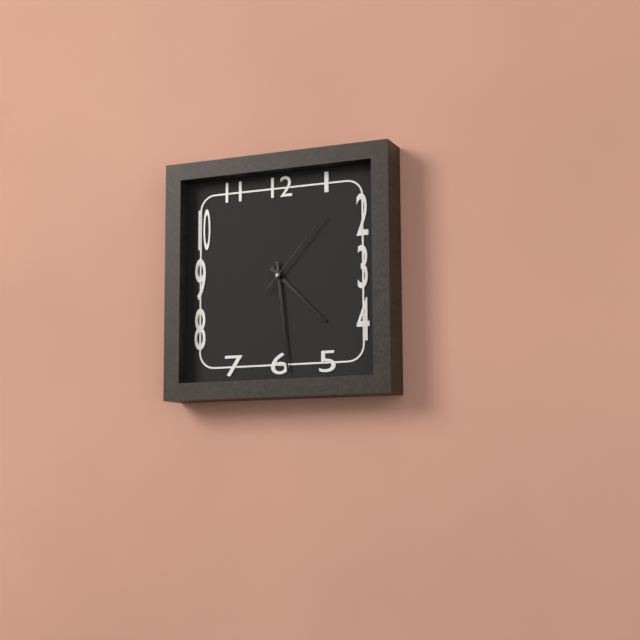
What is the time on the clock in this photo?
4:29:07
